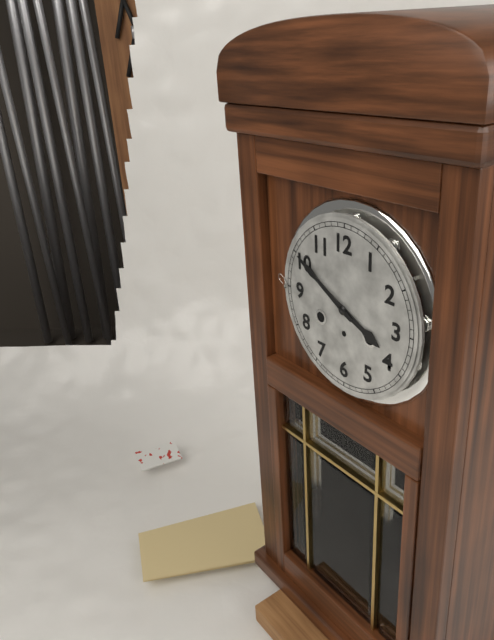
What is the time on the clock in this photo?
3:50
